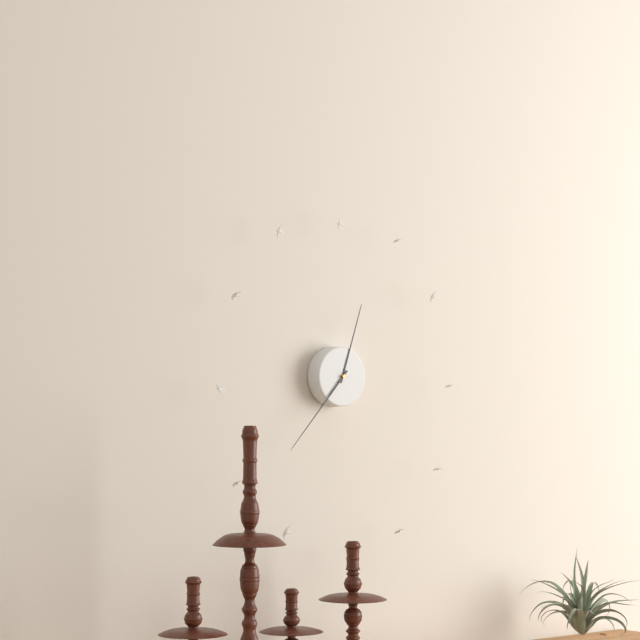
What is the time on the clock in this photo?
12:37
